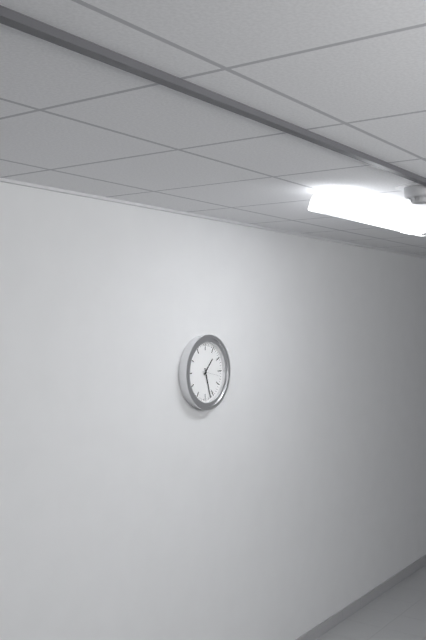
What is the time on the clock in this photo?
1:27
